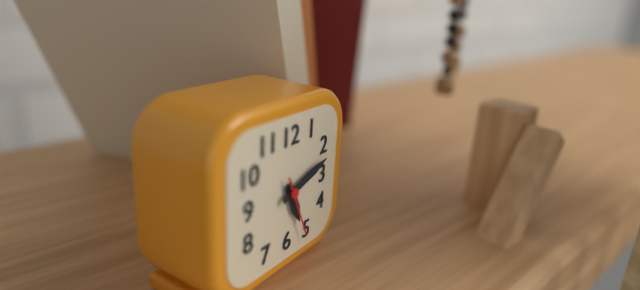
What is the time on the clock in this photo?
5:12:26
